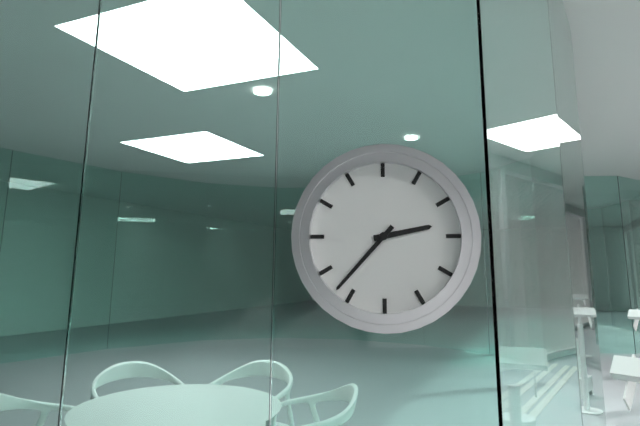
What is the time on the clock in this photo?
2:37
